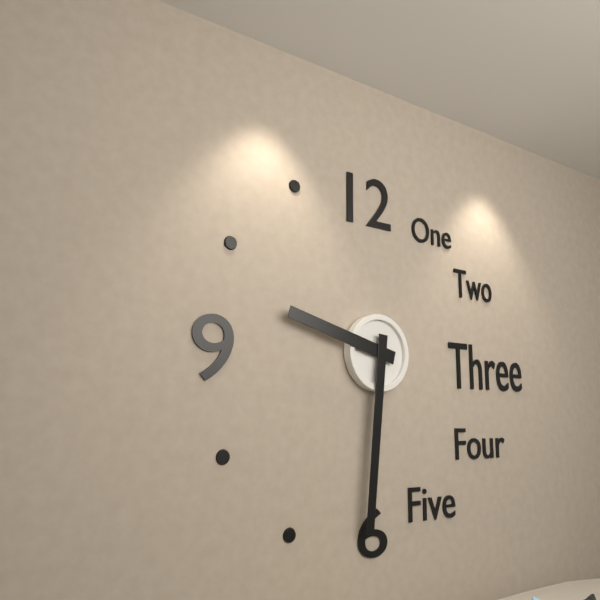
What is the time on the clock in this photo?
9:31
